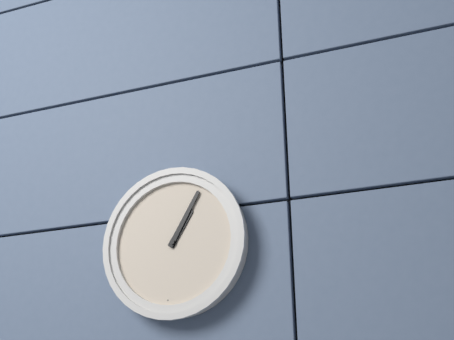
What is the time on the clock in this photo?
1:05
